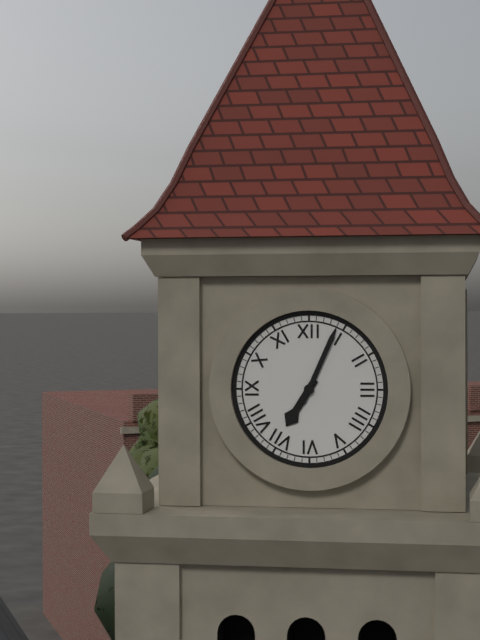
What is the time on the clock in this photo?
7:04
